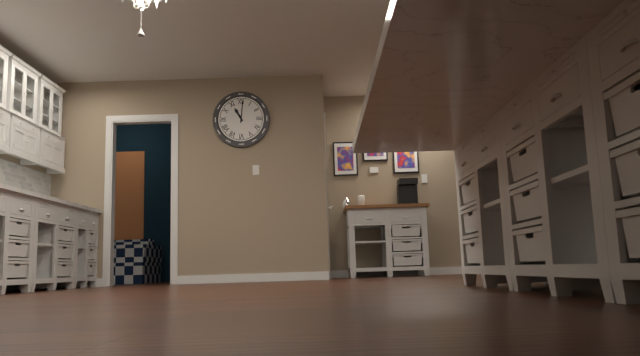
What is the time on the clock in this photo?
11:01
